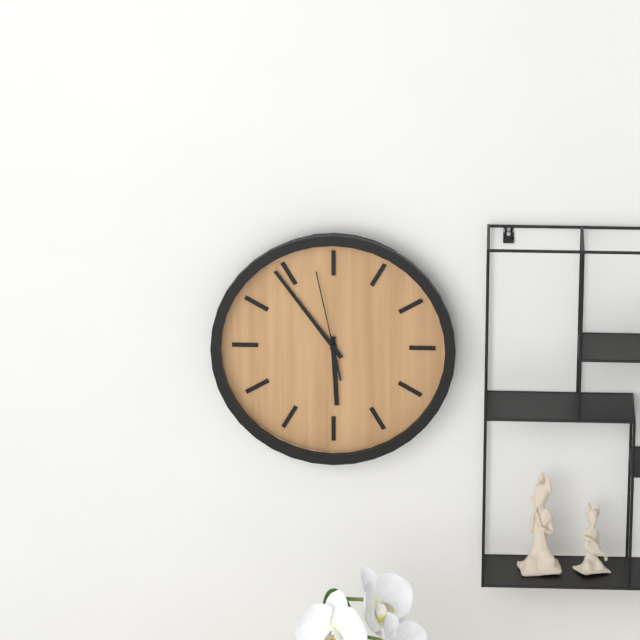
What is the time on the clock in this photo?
5:54:58
